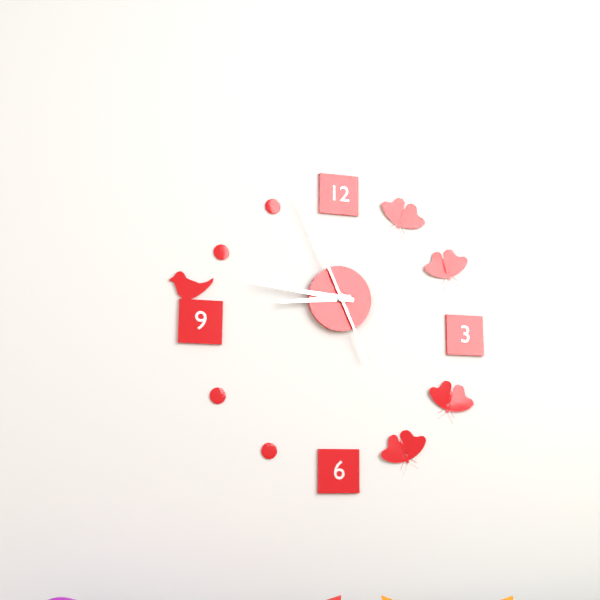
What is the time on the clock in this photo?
8:46:56
